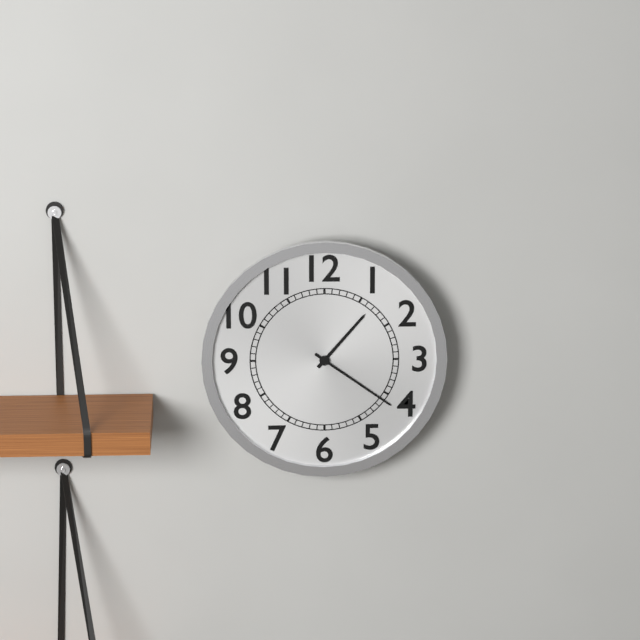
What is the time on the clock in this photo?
1:21
